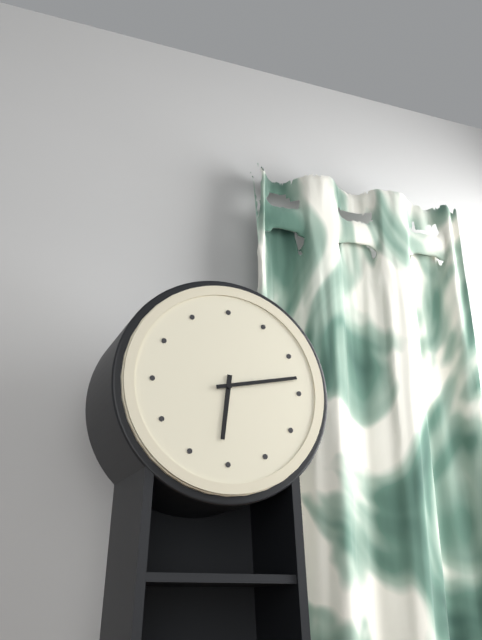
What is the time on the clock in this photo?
6:13
